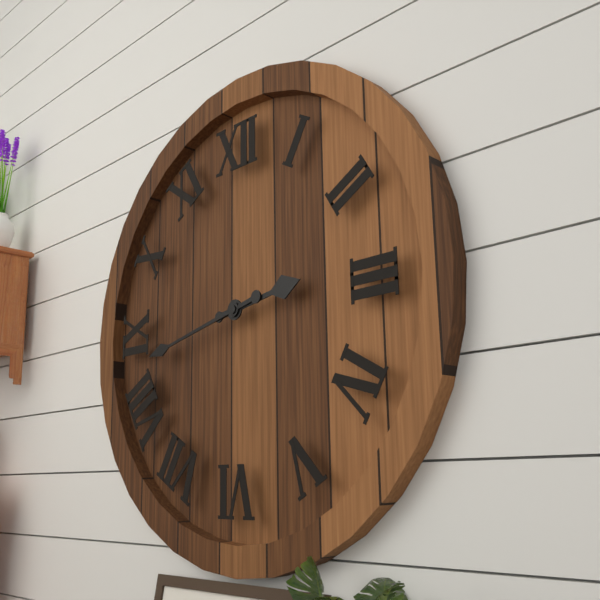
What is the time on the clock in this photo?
2:43
